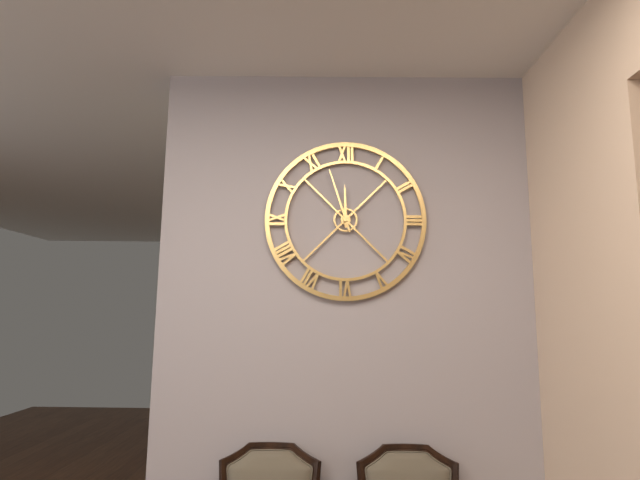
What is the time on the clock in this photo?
11:57
